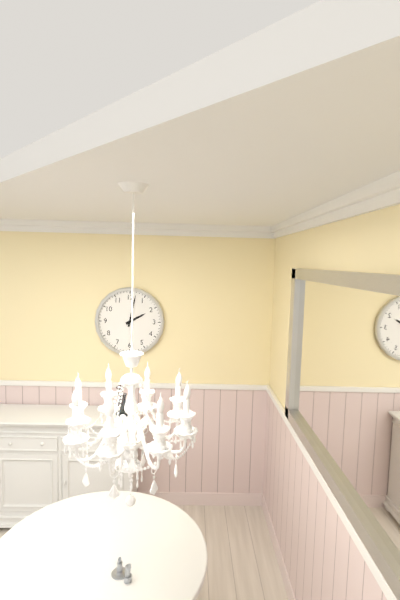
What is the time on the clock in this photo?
2:02
